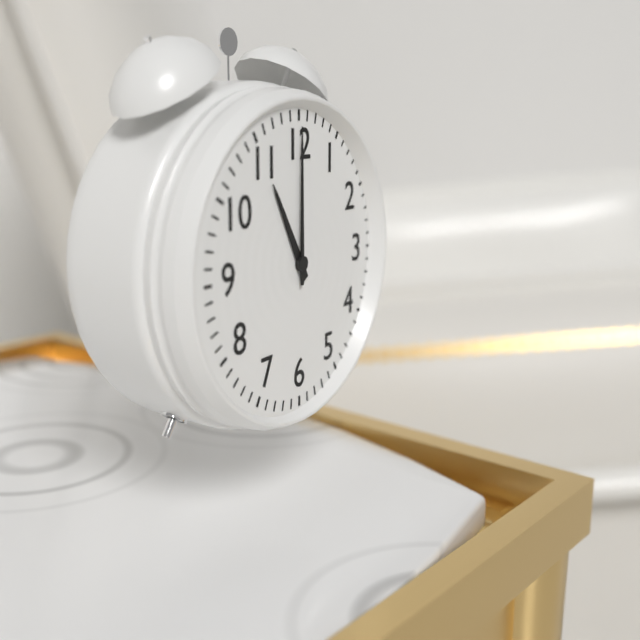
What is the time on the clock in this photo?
11:00
